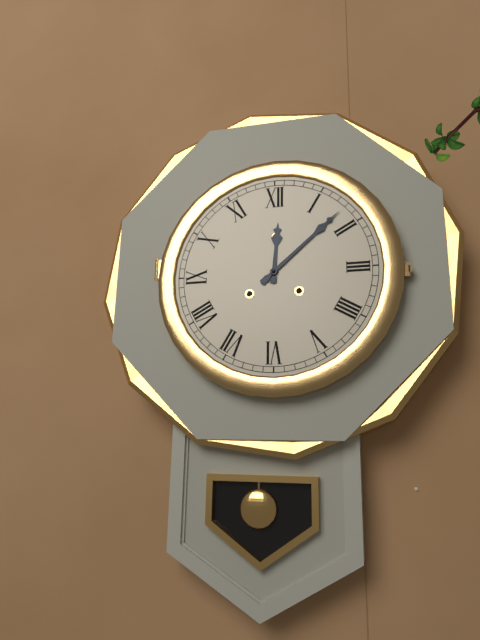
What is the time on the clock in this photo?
12:08
